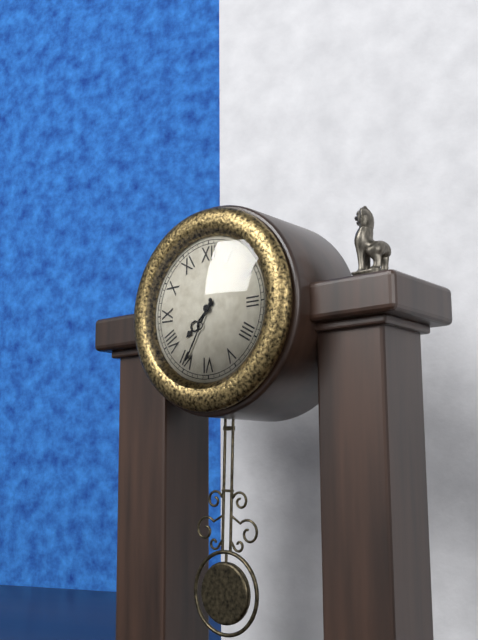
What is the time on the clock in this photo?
7:35
